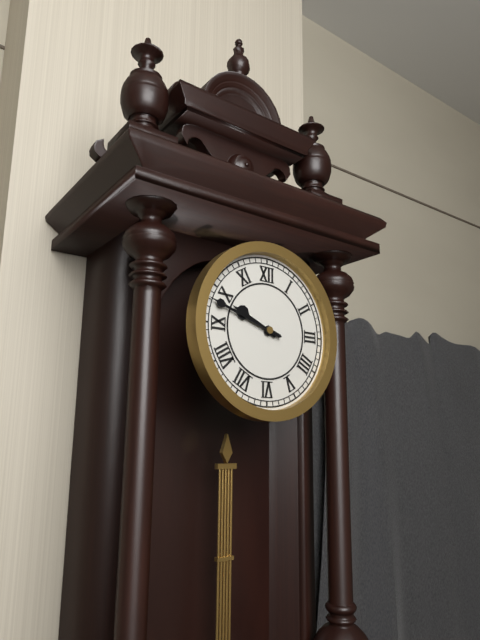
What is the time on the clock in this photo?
9:48
